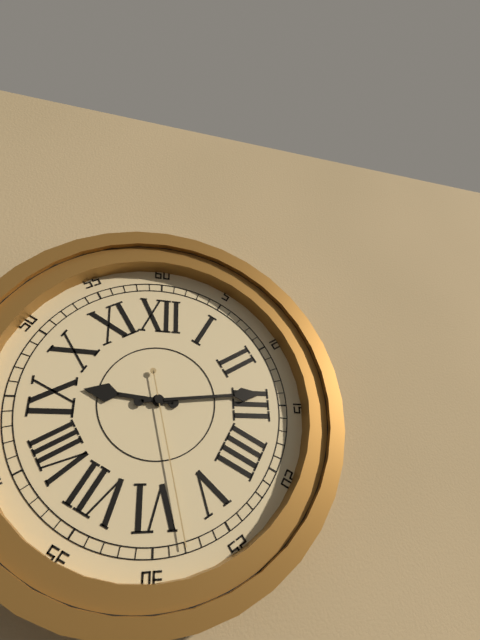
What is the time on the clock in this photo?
9:14:28
